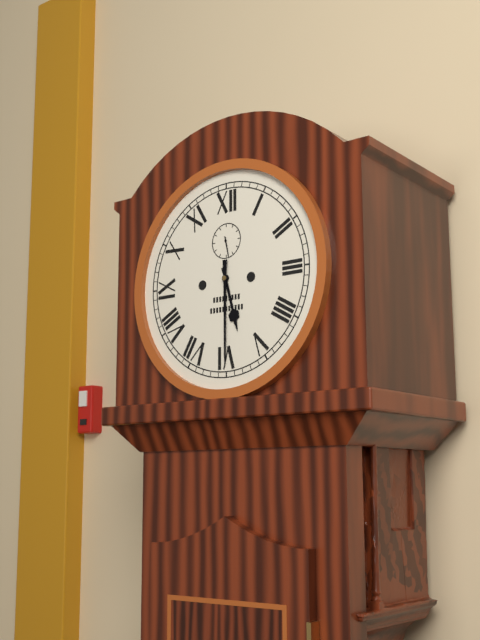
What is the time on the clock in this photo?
5:30
